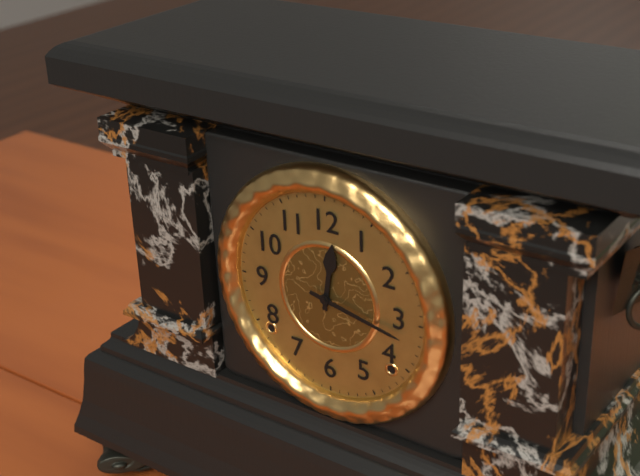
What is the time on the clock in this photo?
12:17
